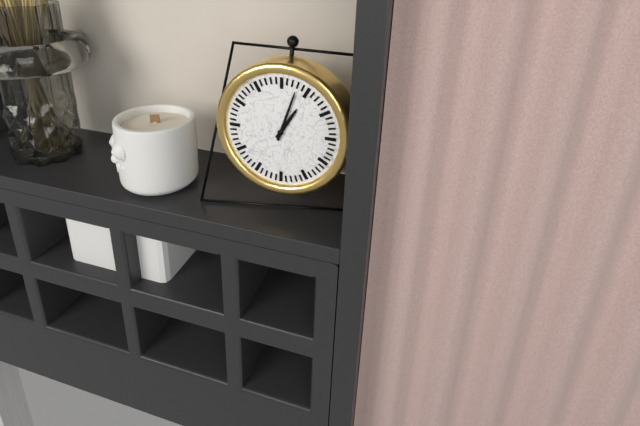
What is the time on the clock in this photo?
1:03
